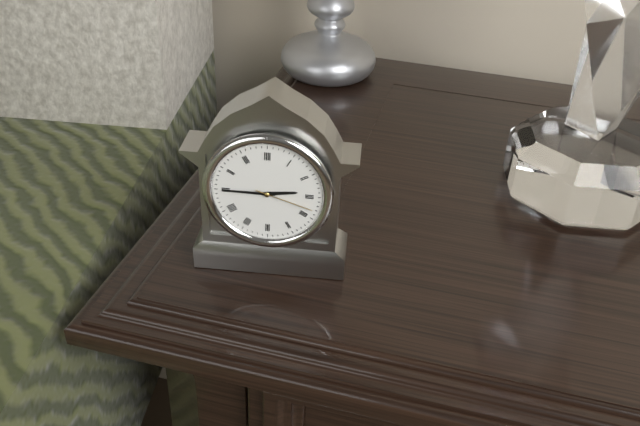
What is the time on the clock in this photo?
2:45:18
